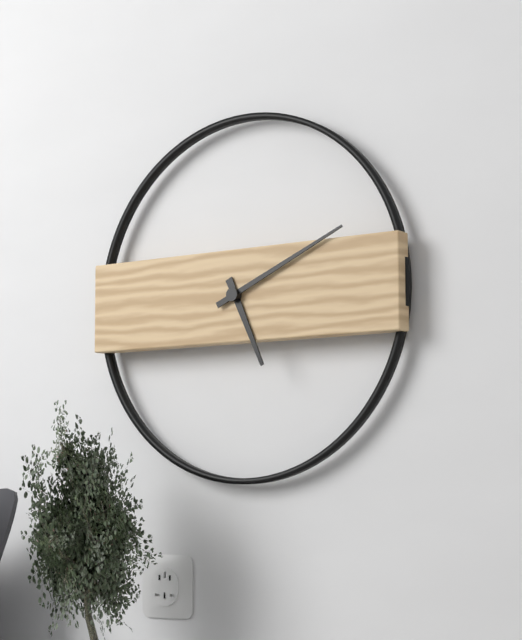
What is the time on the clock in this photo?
5:11
